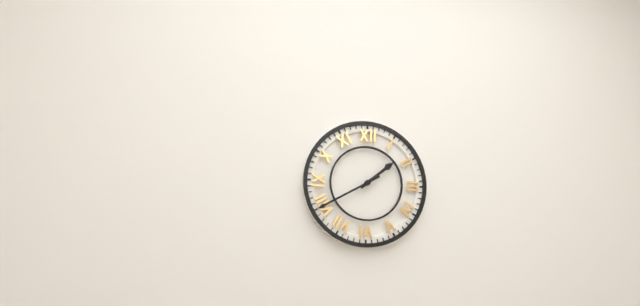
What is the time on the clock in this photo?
1:40
